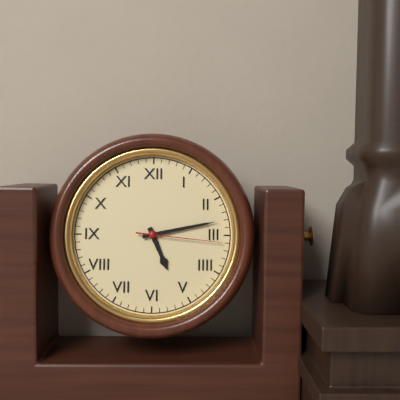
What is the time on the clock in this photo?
5:13:16
